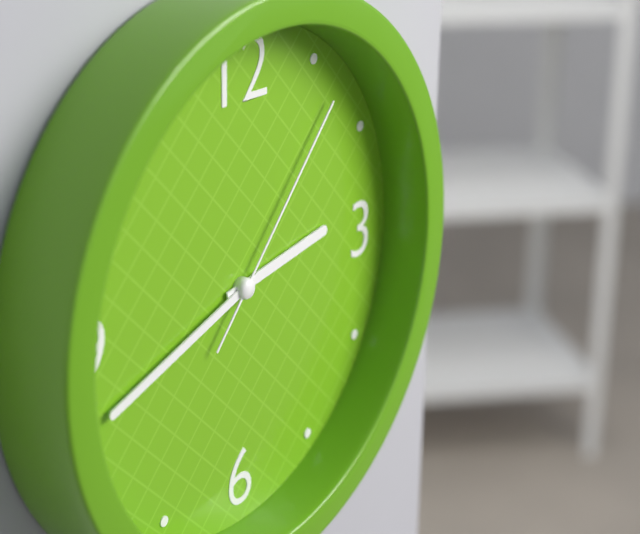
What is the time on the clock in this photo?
2:42:07
